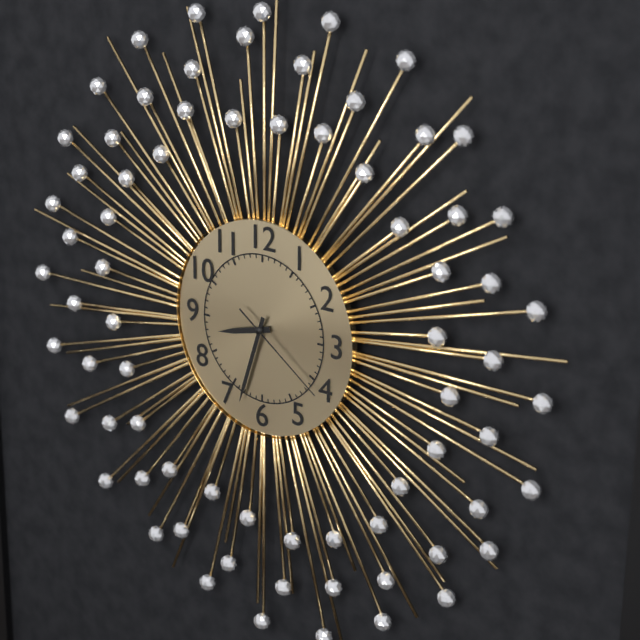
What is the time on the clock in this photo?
8:33:21
